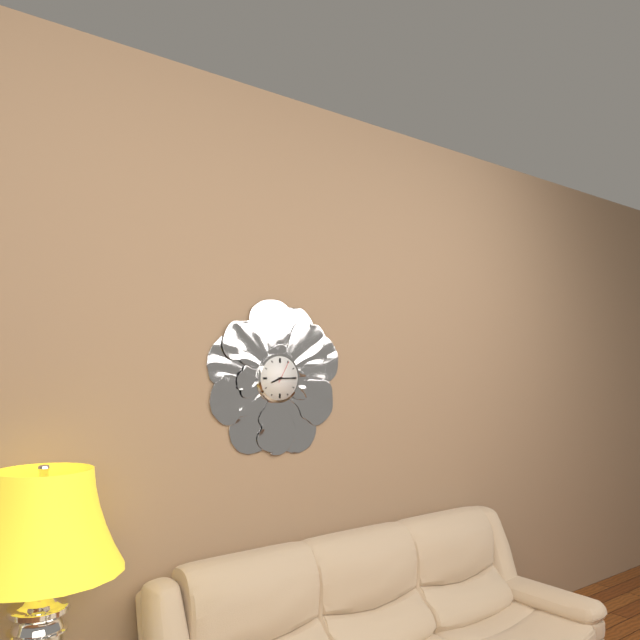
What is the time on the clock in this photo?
8:15
